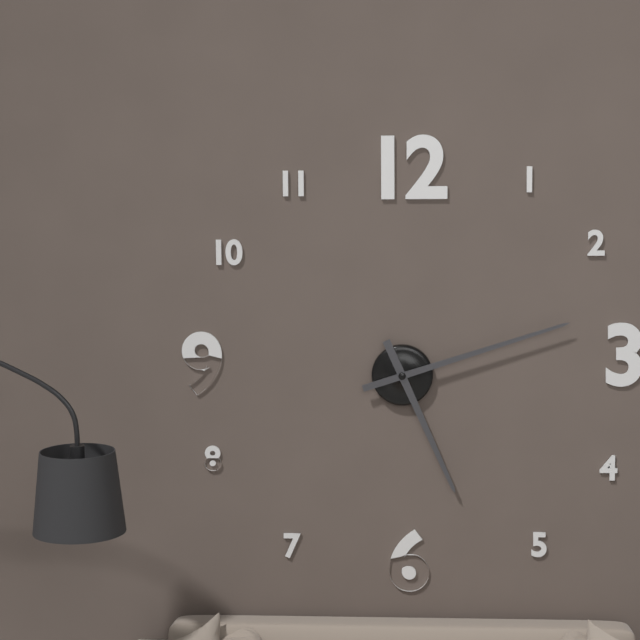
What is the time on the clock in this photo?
5:12
